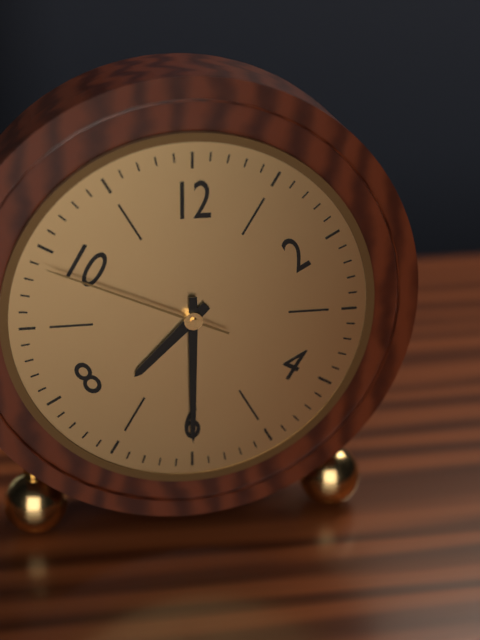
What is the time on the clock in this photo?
7:30:49
